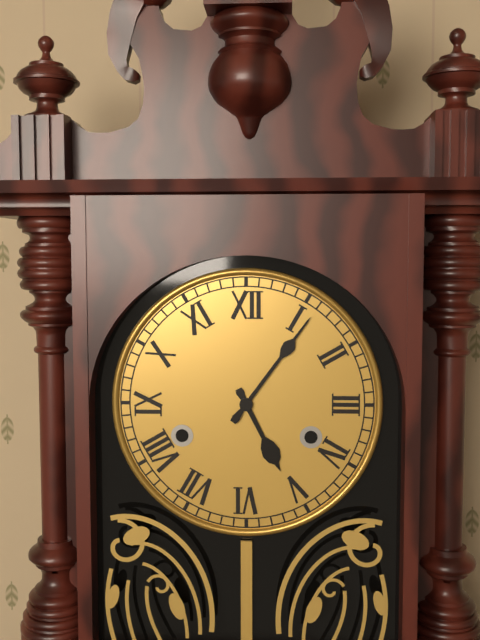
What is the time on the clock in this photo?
5:06
